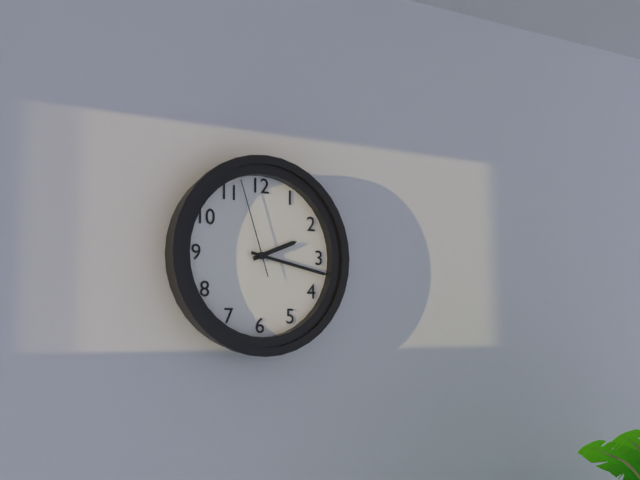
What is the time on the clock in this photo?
2:17:57
